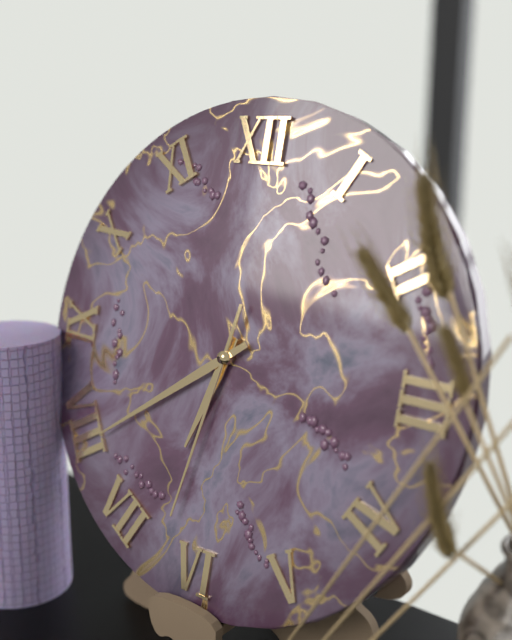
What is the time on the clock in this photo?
6:39:32
